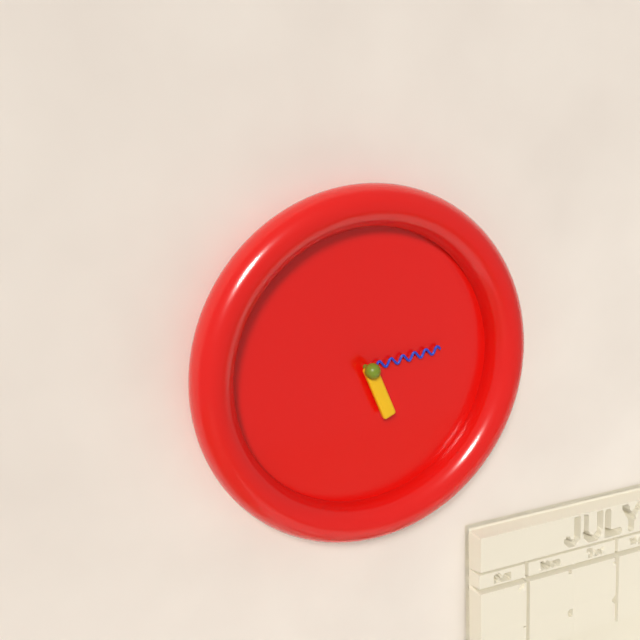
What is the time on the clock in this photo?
5:14
